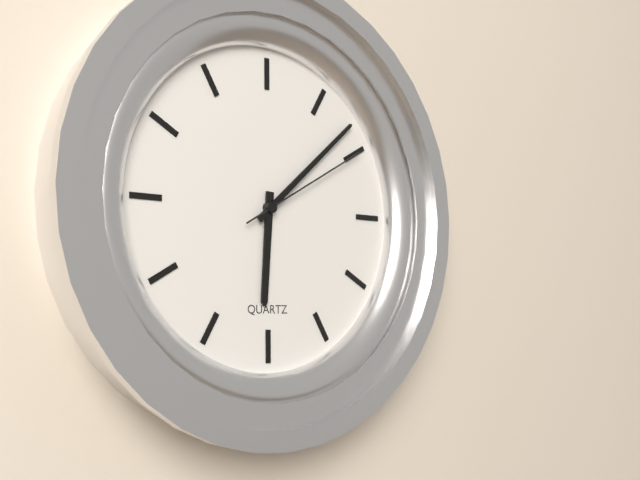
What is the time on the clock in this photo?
6:08:10
